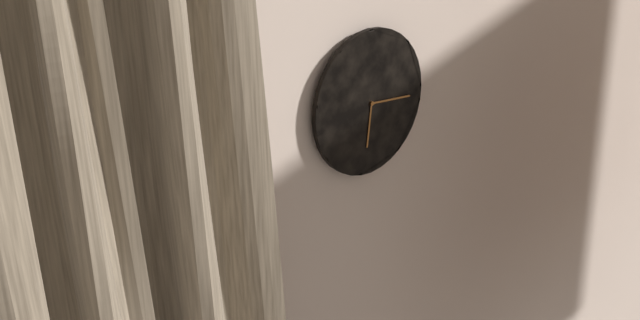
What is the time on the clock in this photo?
6:16
